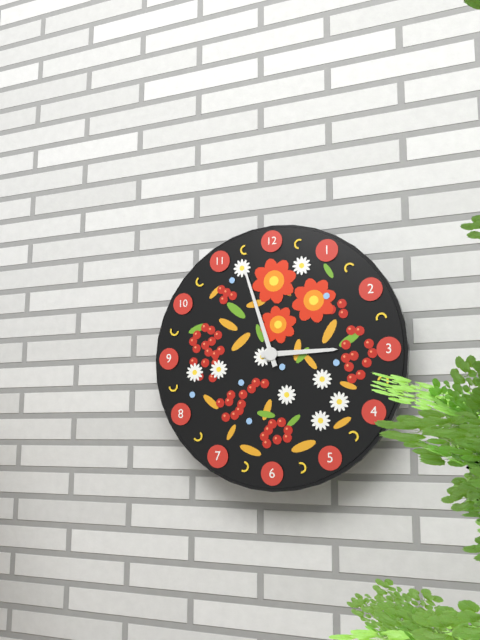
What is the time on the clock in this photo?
2:57
